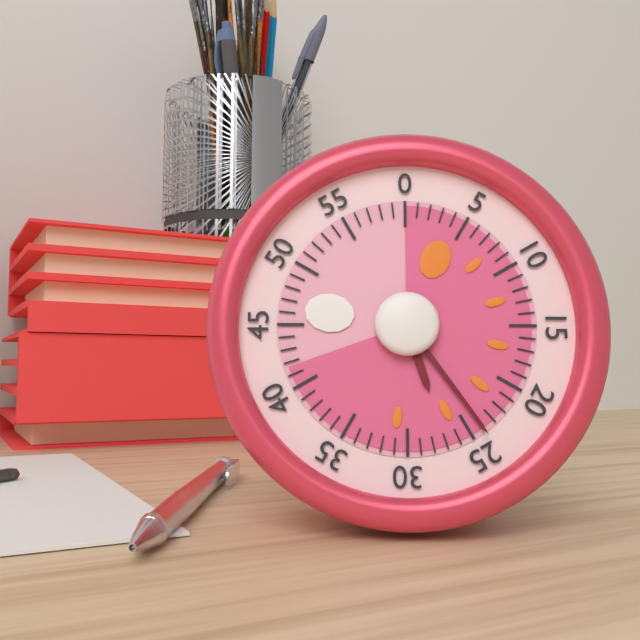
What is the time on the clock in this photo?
5:24
